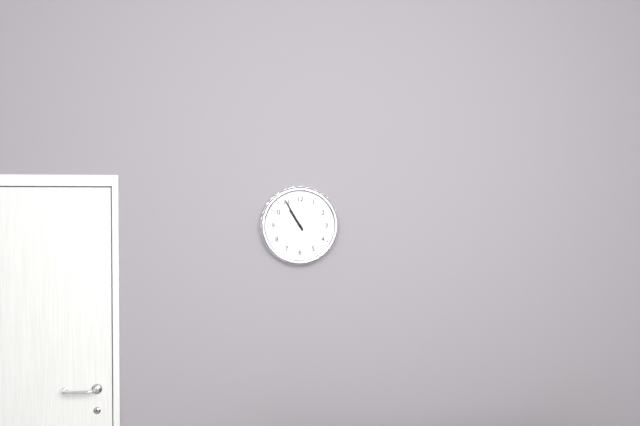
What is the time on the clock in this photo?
10:55
